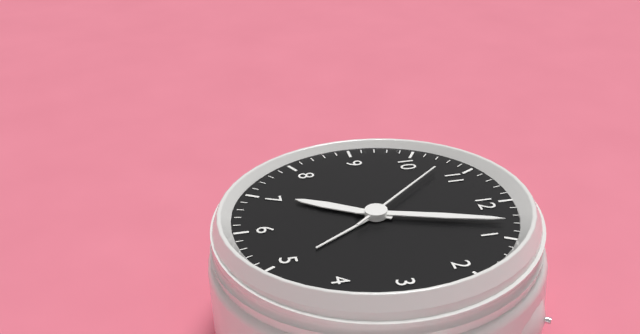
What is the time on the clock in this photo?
7:03:53
